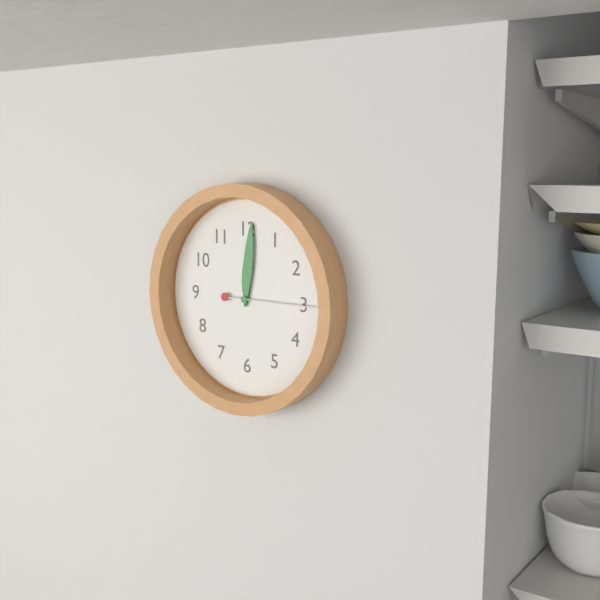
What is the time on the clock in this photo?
12:01:15
